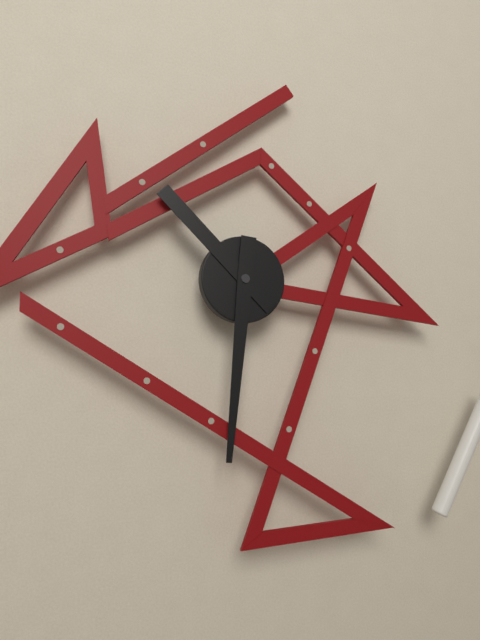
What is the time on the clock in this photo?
10:31
